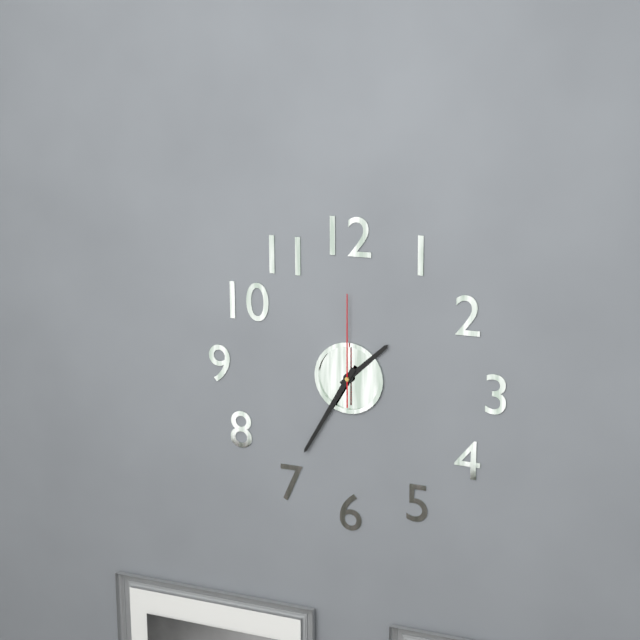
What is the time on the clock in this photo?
1:35:00
